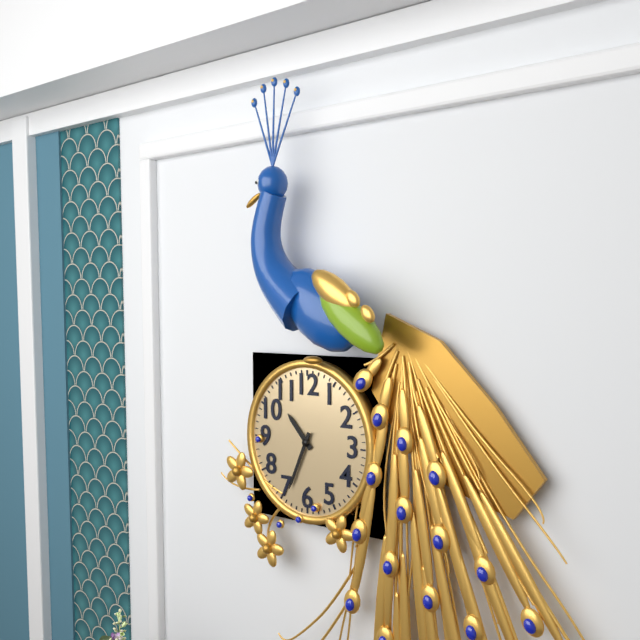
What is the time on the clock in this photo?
10:34
